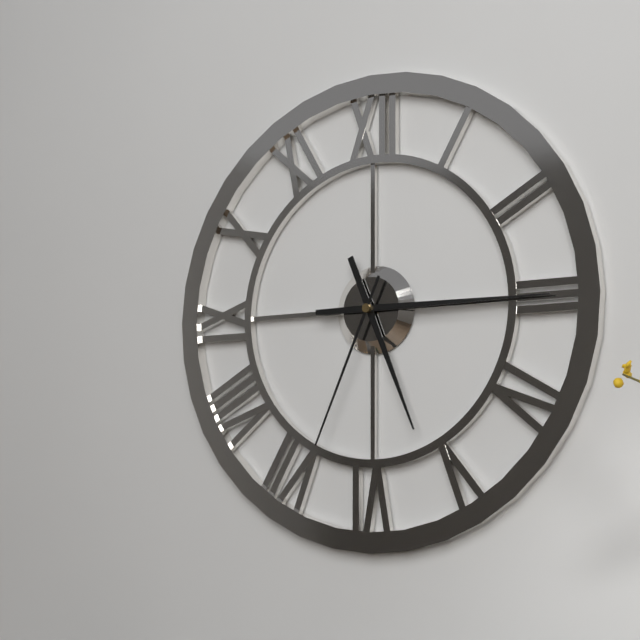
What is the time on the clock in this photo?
5:15:34
